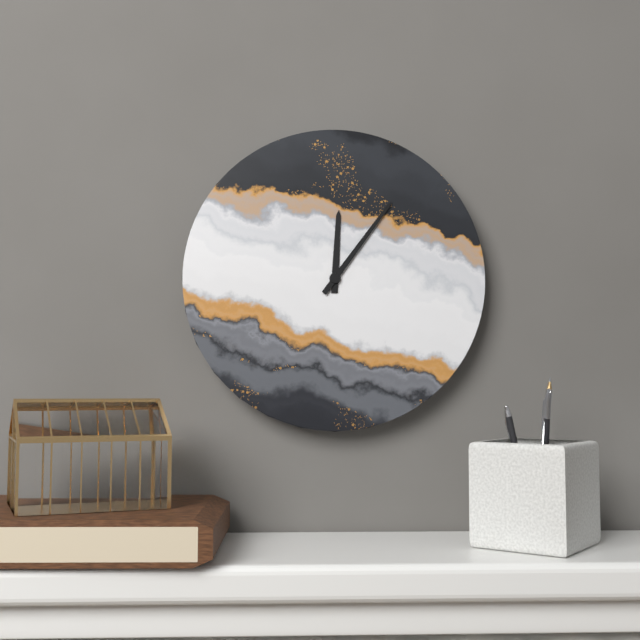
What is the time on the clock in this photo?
12:06
